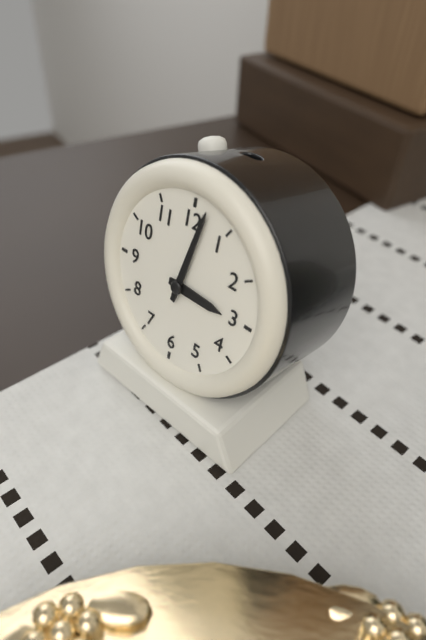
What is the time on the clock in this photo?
3:02
